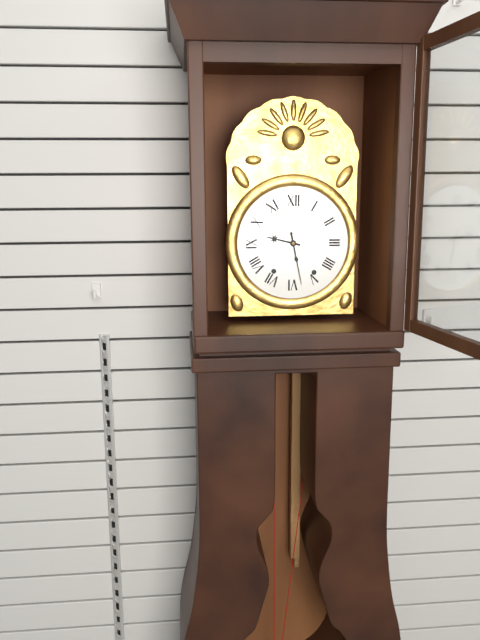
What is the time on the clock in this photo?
9:28
